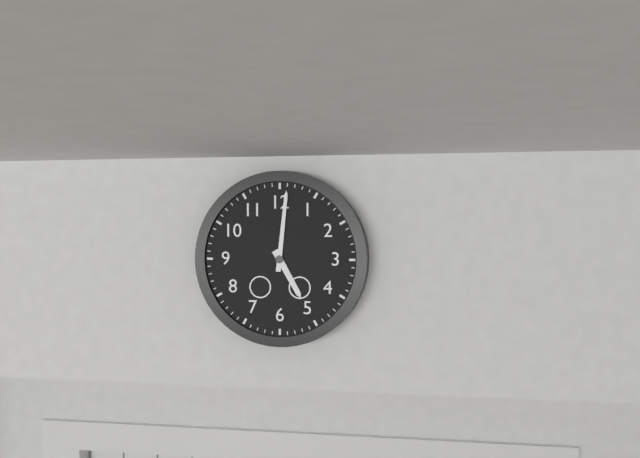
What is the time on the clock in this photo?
5:01
